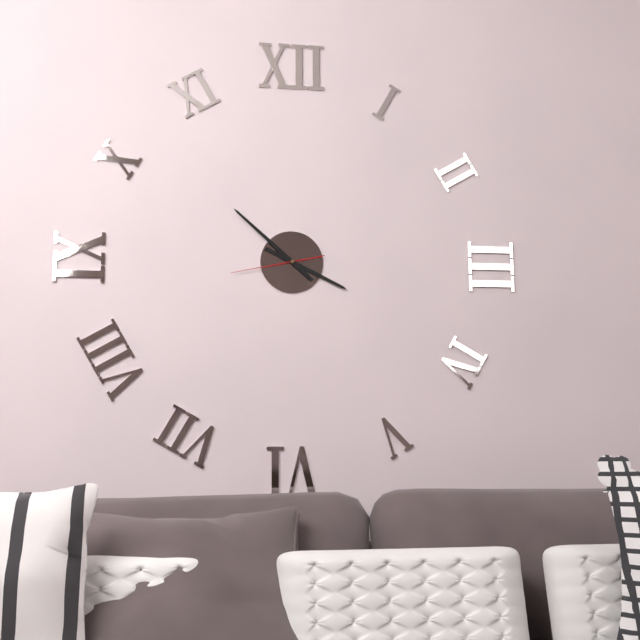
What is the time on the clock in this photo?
3:52:43
